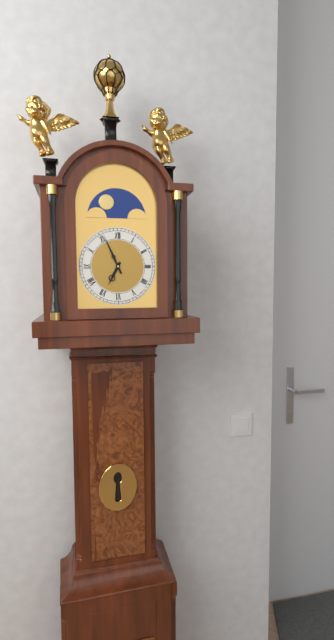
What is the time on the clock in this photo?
6:56
